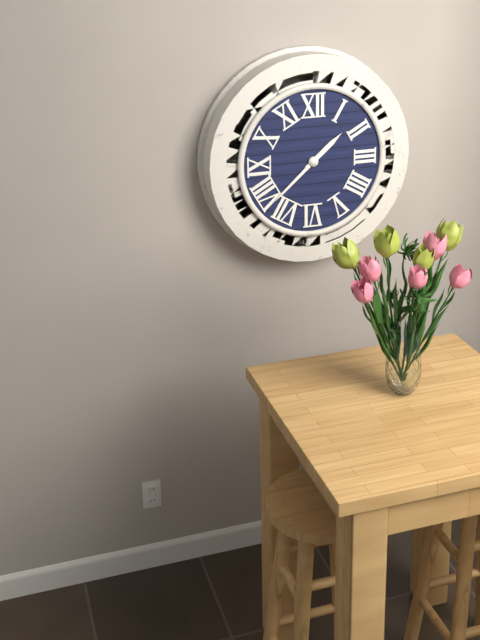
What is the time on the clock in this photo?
1:38
